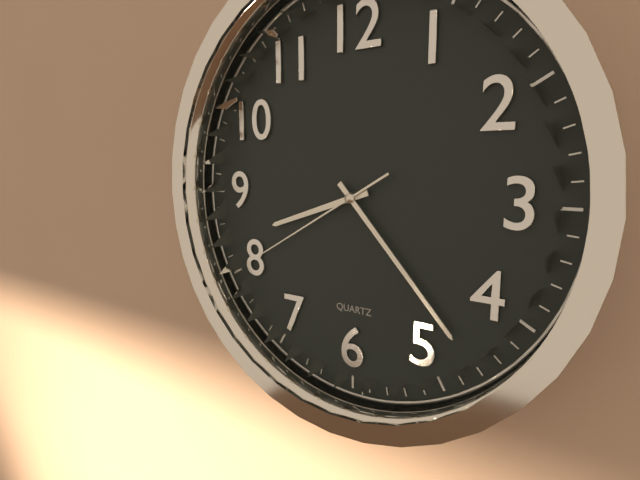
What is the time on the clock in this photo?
8:23:40
